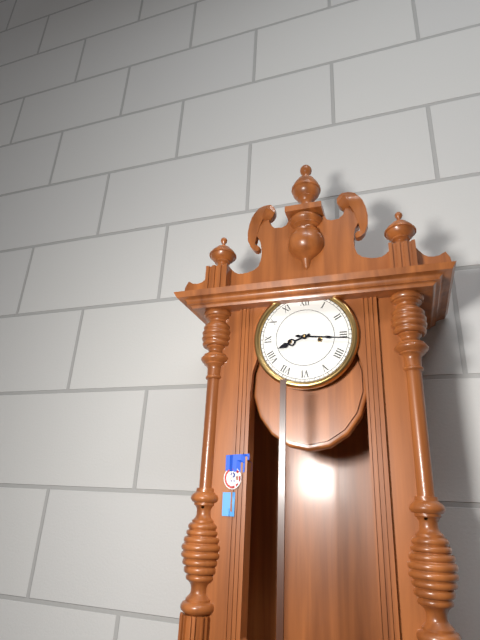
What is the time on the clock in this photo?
8:16
